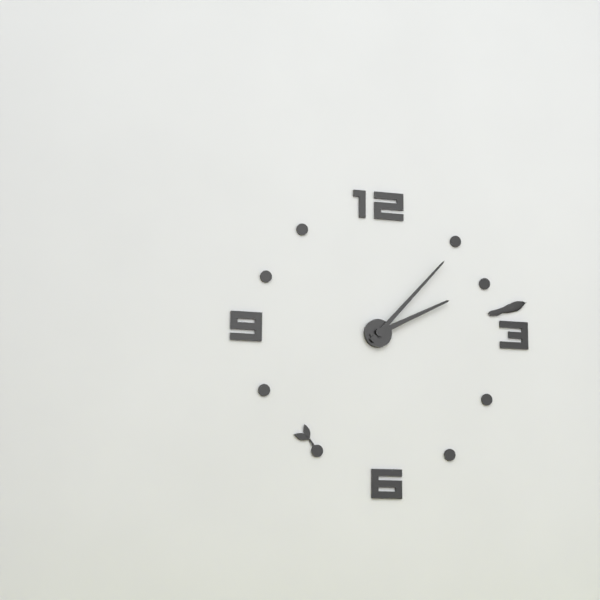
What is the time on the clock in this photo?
2:07
